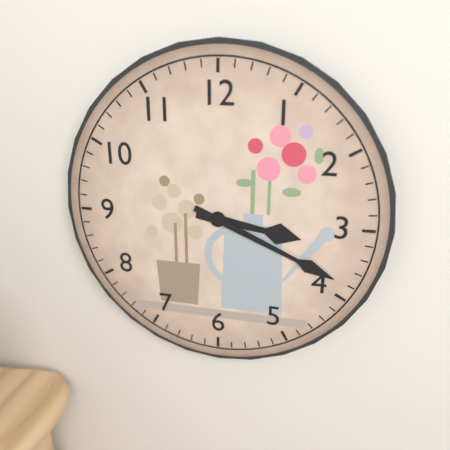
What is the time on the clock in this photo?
3:19
